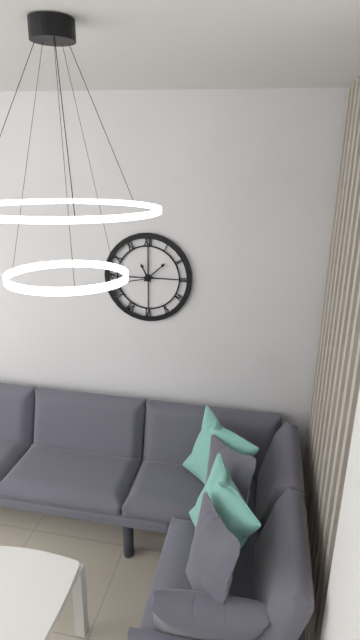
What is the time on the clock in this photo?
11:08
